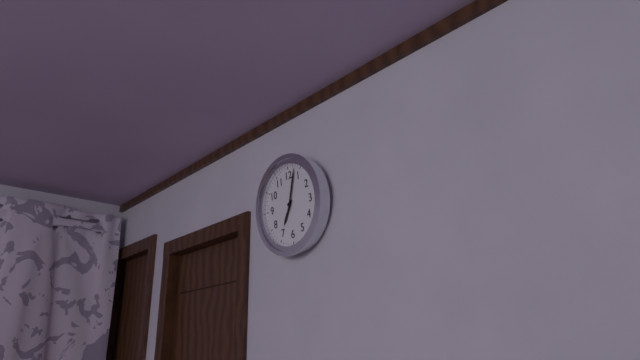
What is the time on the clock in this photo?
7:03
